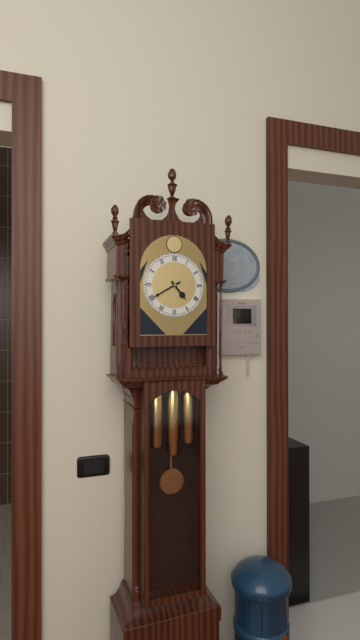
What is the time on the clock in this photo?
4:40
